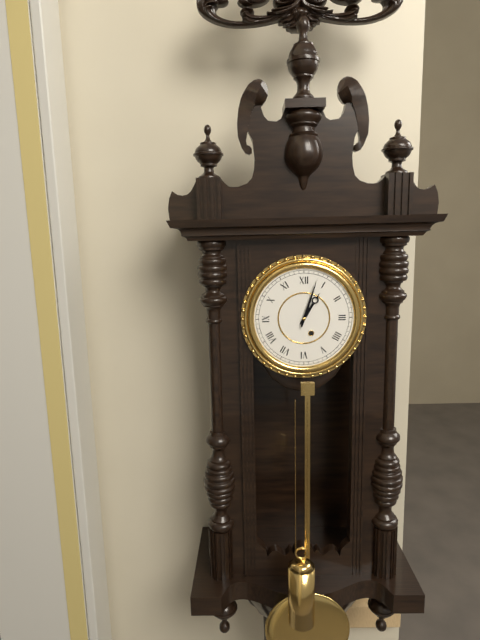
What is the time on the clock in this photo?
1:03
